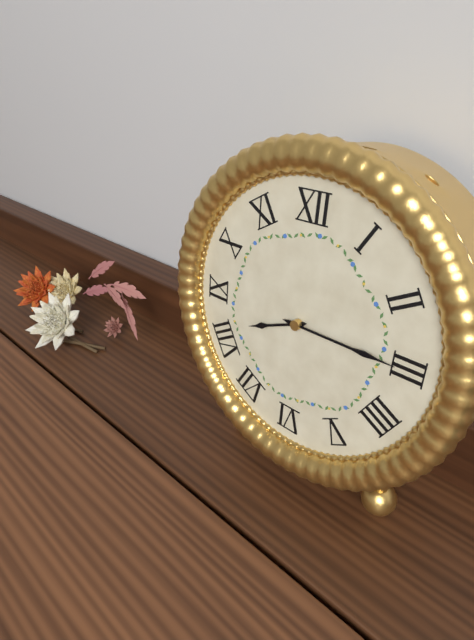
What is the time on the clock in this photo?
8:15
